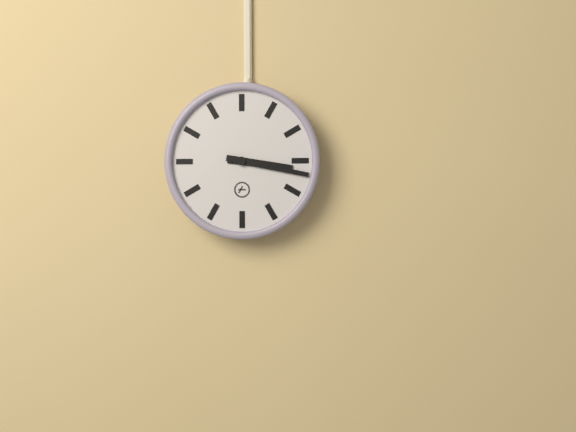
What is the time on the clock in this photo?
3:17
